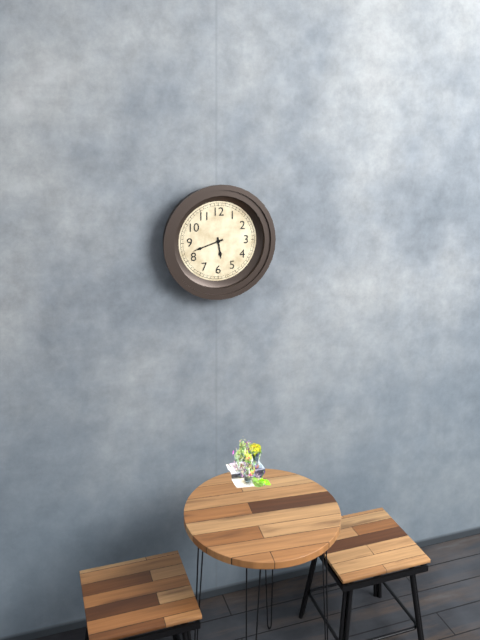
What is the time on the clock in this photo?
5:42
